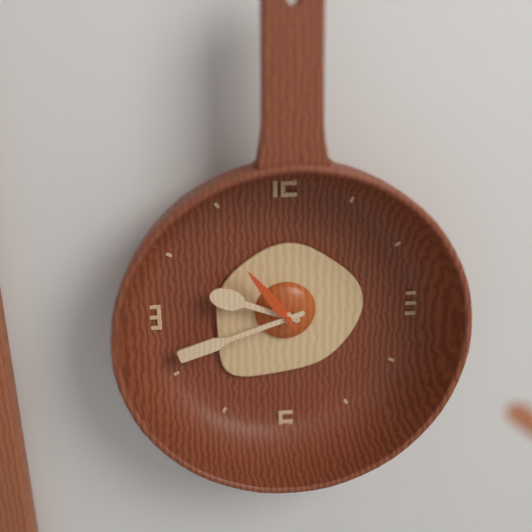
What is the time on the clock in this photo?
9:42:54
